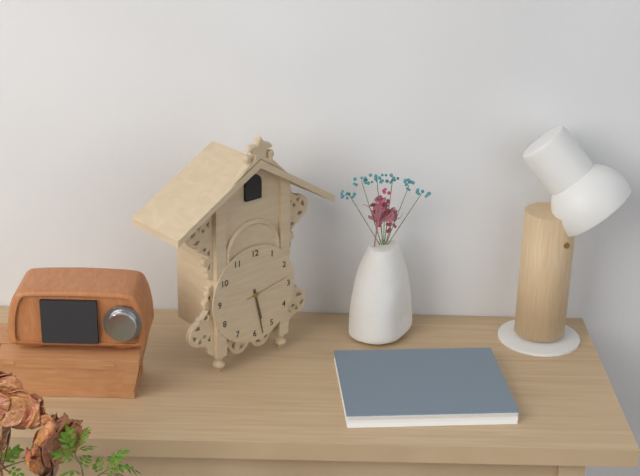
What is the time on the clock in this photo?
5:28
